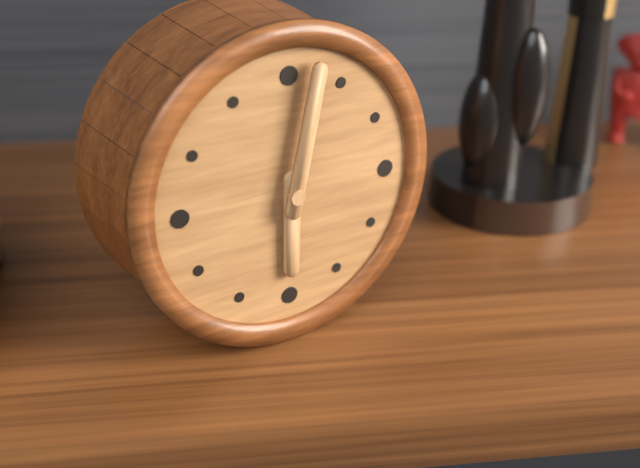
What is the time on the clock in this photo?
6:02
